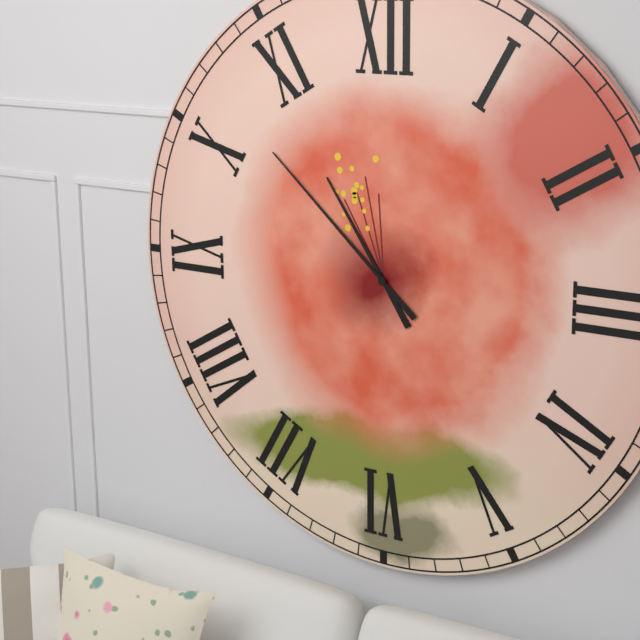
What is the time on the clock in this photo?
10:52
